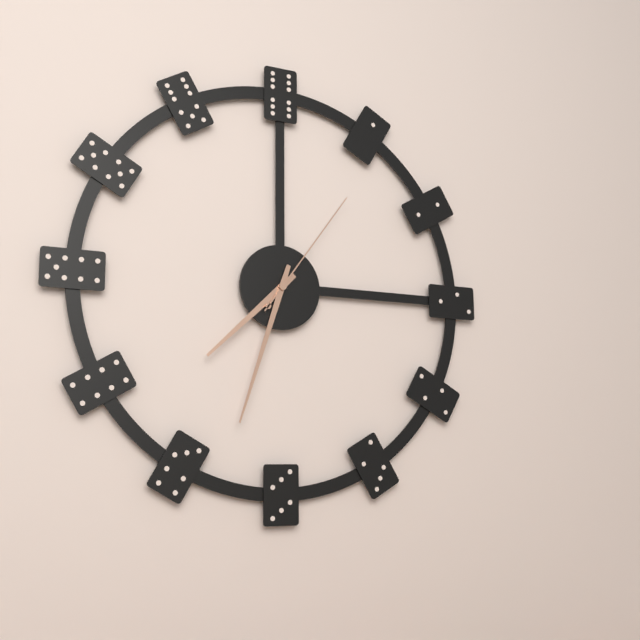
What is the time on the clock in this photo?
7:33:06
